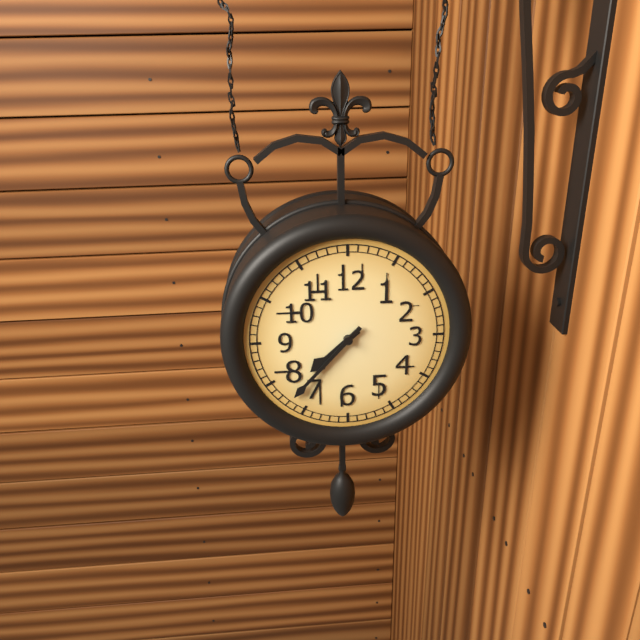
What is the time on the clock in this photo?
7:37
